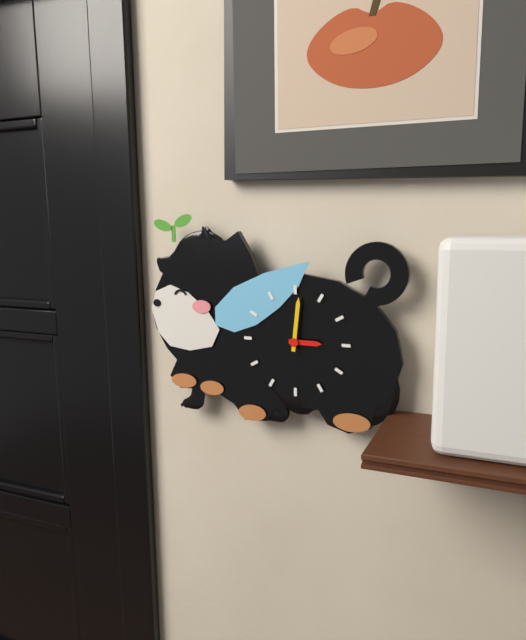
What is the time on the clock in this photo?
3:01
